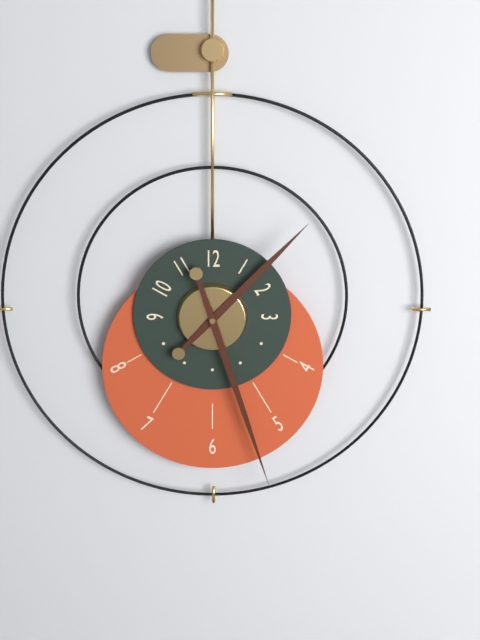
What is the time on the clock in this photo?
1:27
